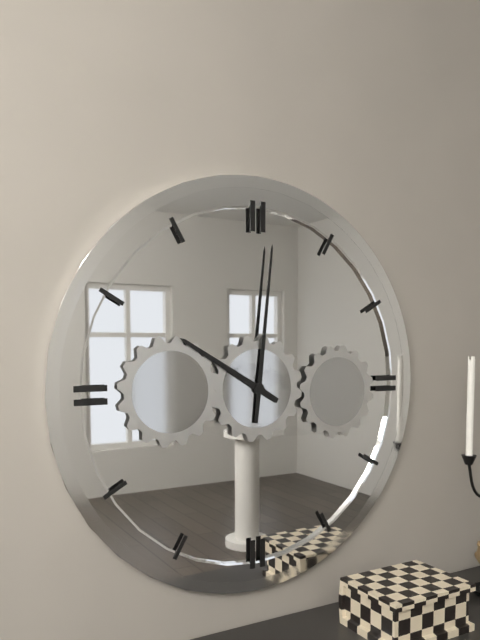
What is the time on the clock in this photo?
10:01
